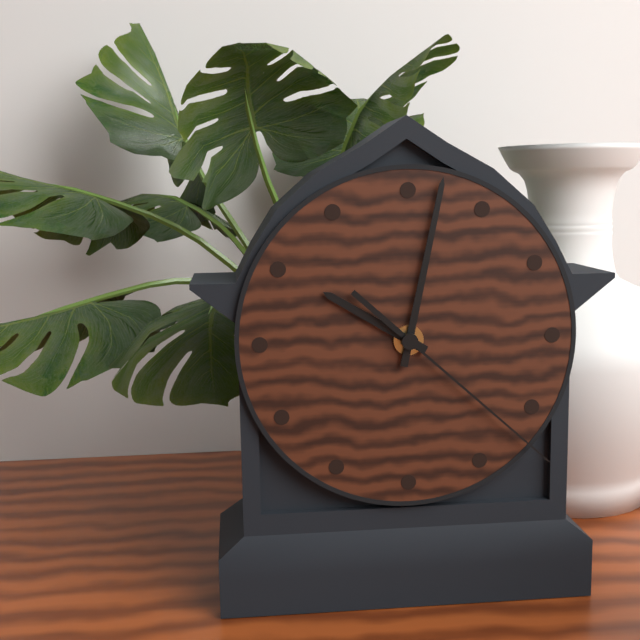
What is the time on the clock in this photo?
10:02:22
